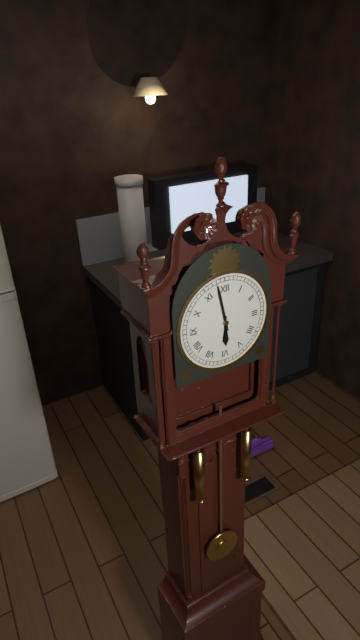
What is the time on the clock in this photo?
5:58
